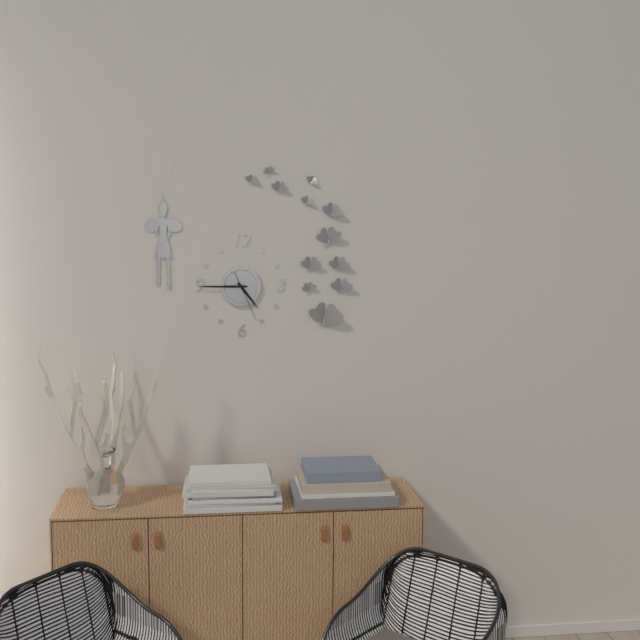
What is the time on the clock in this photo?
4:45
